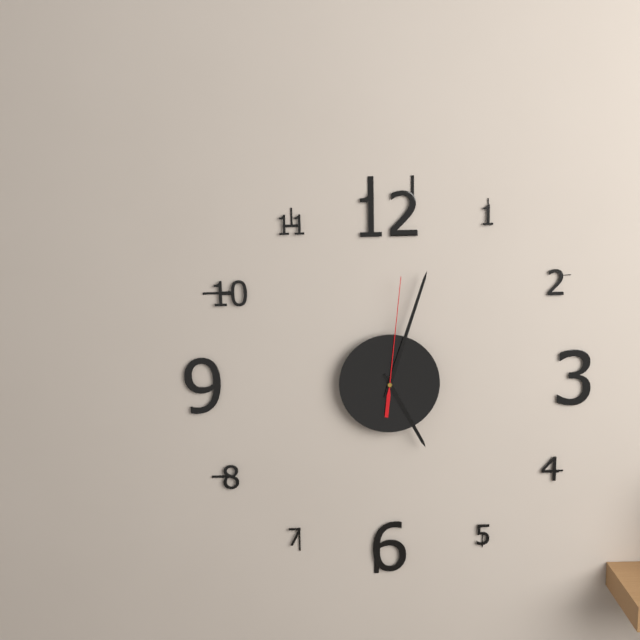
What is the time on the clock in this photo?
5:03:01
